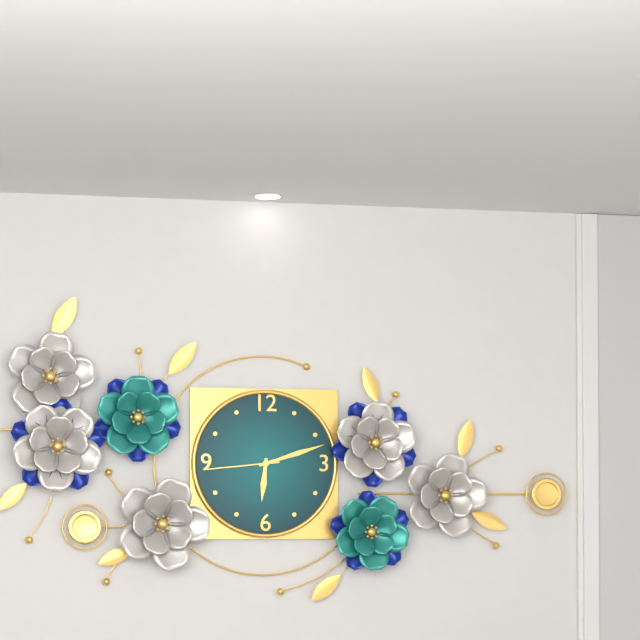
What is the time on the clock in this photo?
6:12:44
